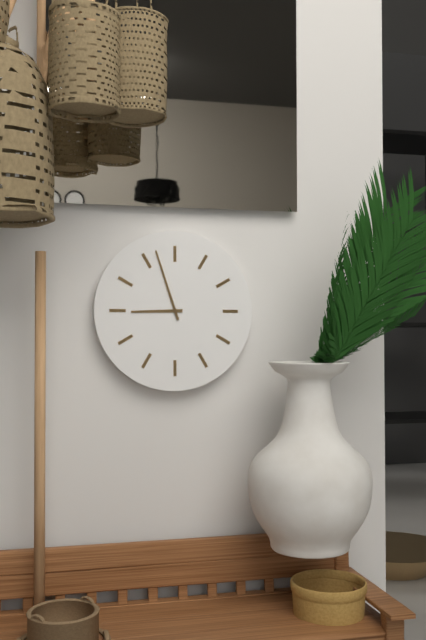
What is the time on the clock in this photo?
8:57
